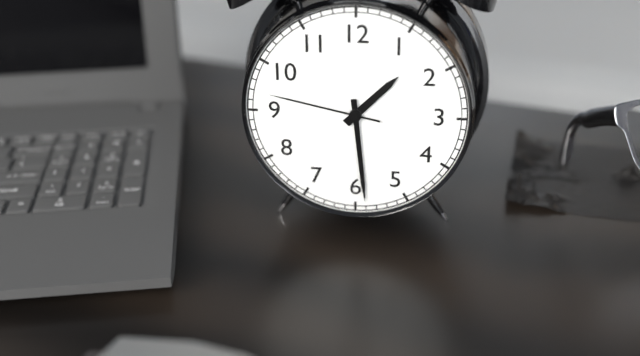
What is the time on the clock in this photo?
1:29:47
